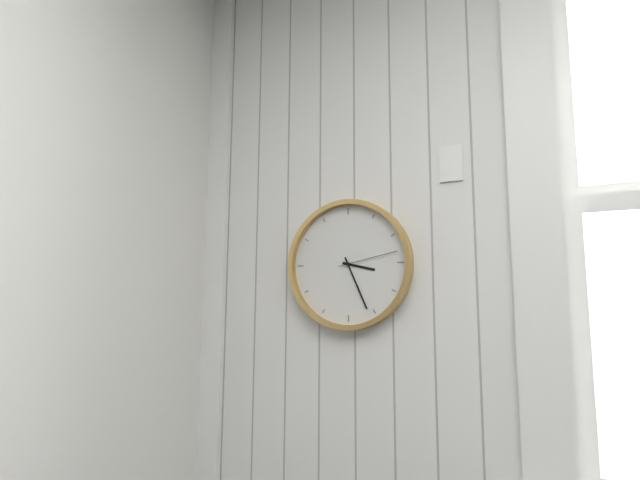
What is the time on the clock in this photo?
3:26:13
